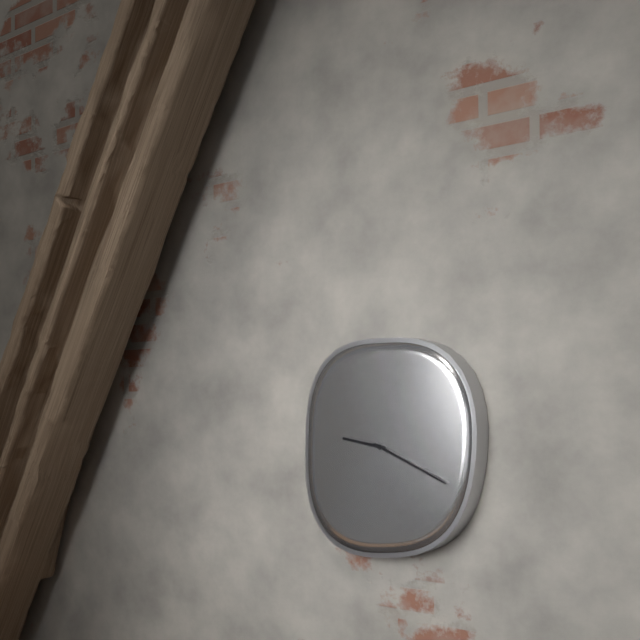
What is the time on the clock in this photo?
9:19
